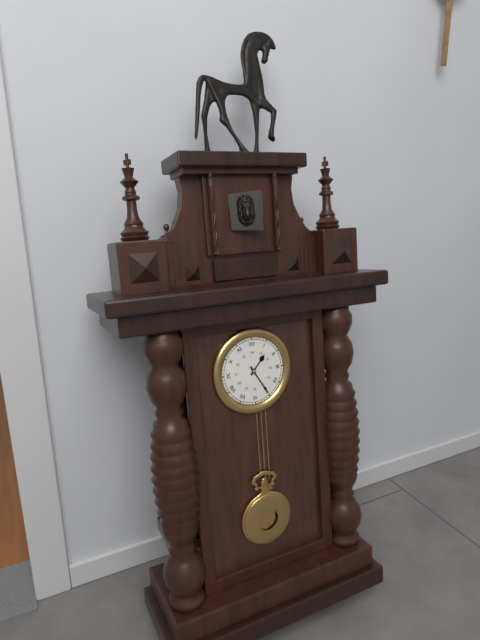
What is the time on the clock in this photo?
1:25
